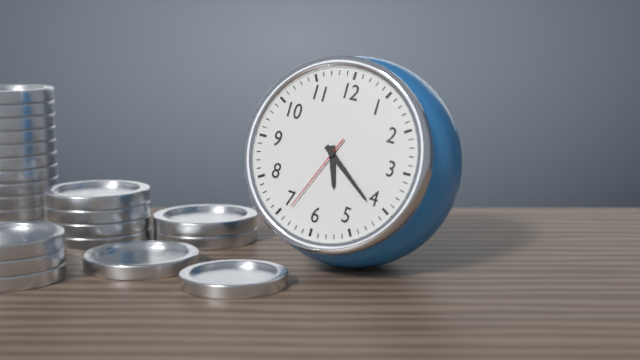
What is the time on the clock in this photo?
5:21:34
